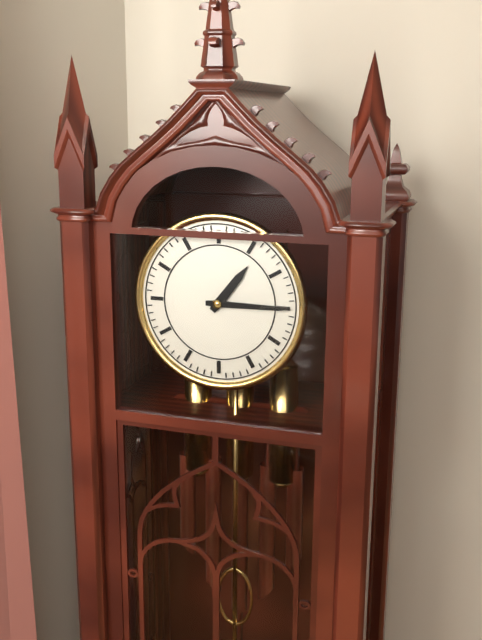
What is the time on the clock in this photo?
1:15
